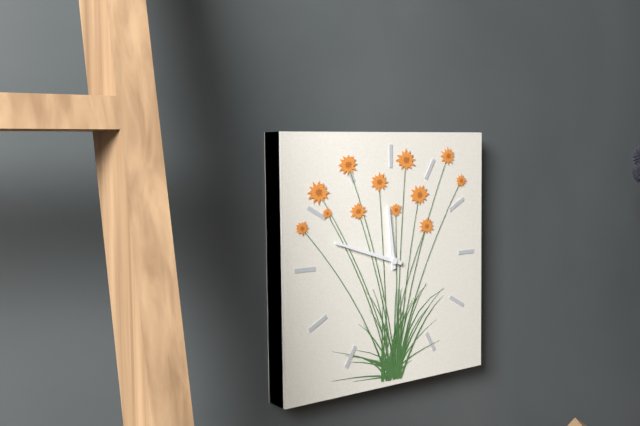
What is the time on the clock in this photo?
11:48
